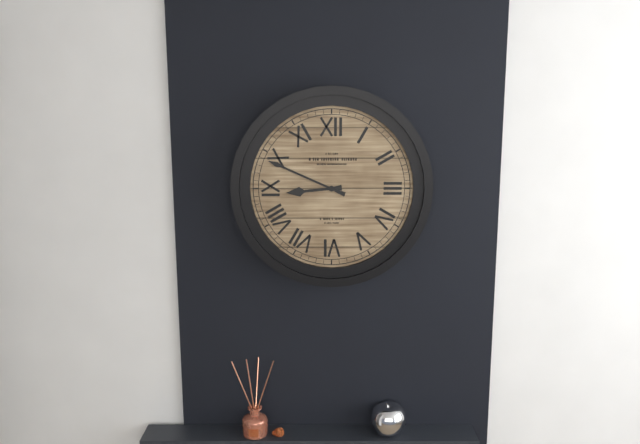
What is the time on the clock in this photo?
8:49
